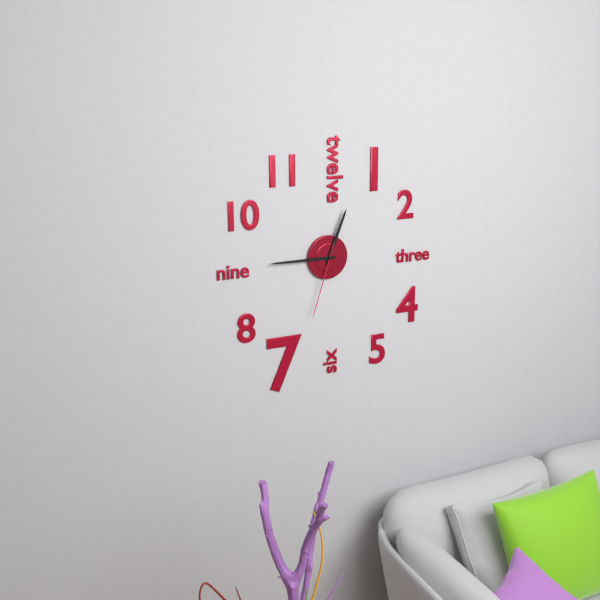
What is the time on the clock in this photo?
12:45:33
